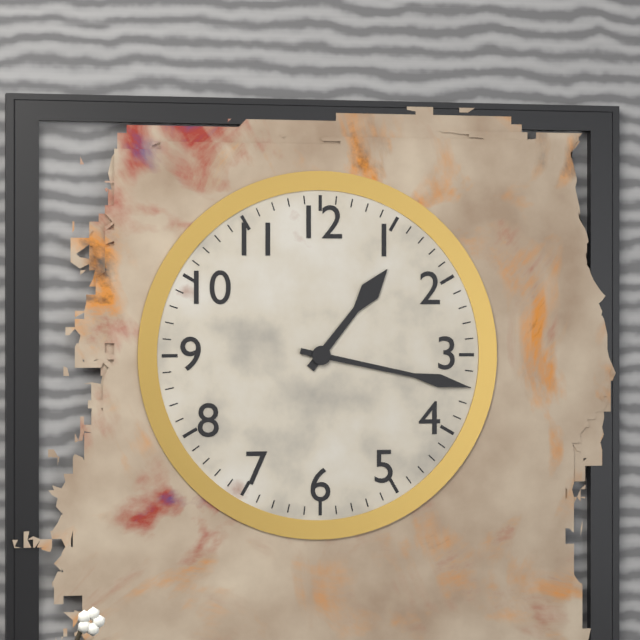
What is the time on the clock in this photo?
1:17
